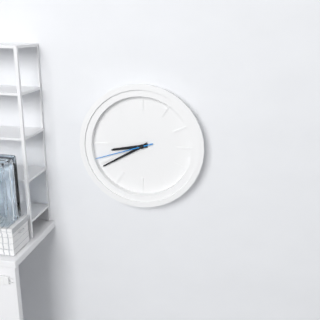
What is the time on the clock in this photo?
8:40:42
